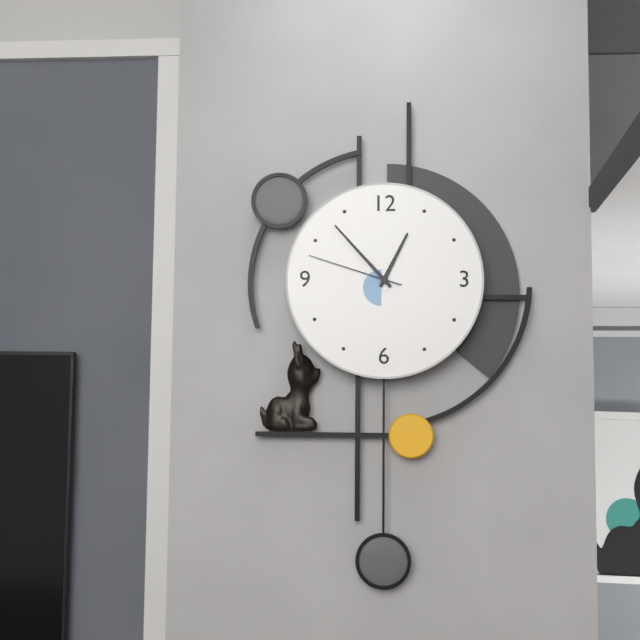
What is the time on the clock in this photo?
12:53:48
